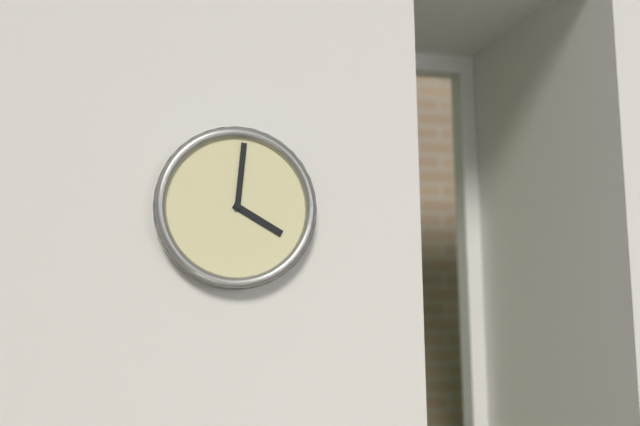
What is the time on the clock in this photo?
4:01
